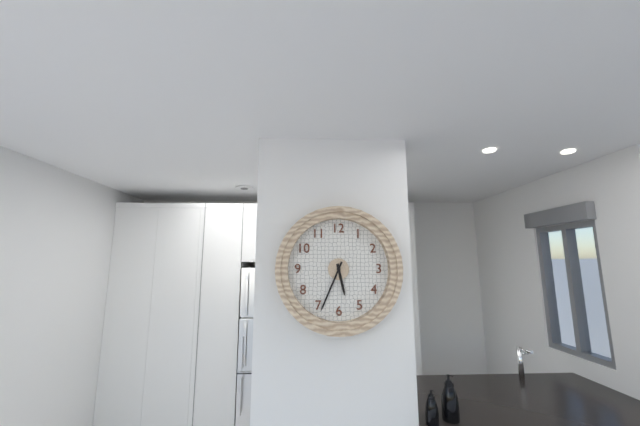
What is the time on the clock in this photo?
5:34
